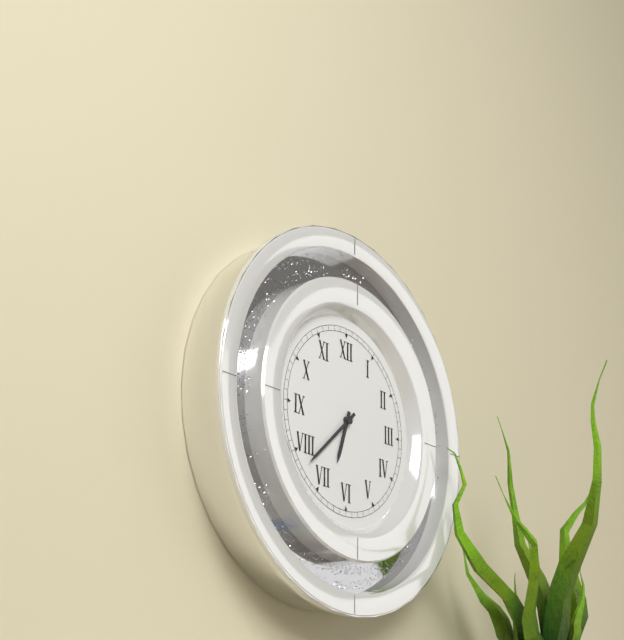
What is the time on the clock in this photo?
6:38
